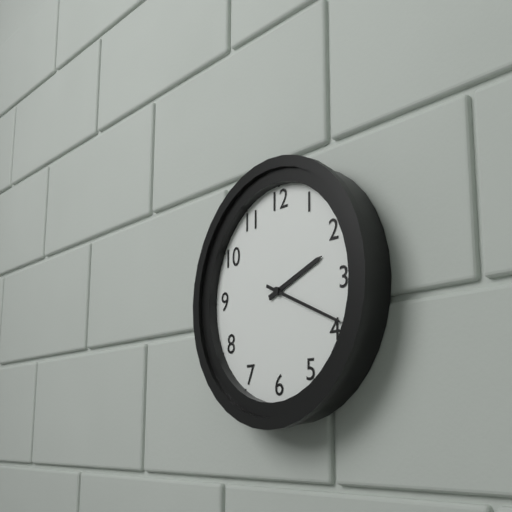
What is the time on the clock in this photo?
2:19
